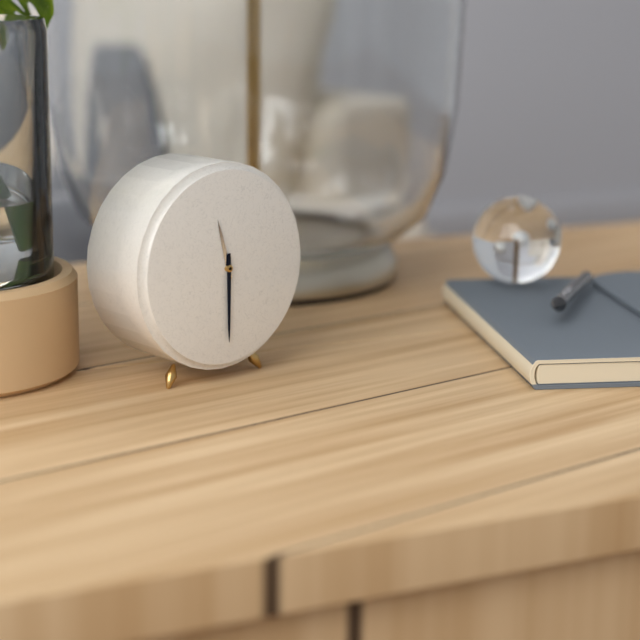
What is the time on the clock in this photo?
11:30
